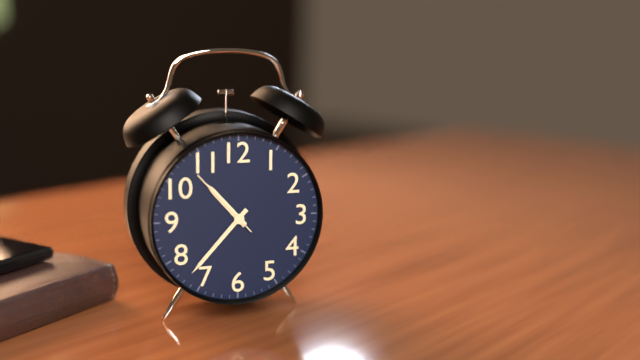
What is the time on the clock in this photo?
10:37:53
